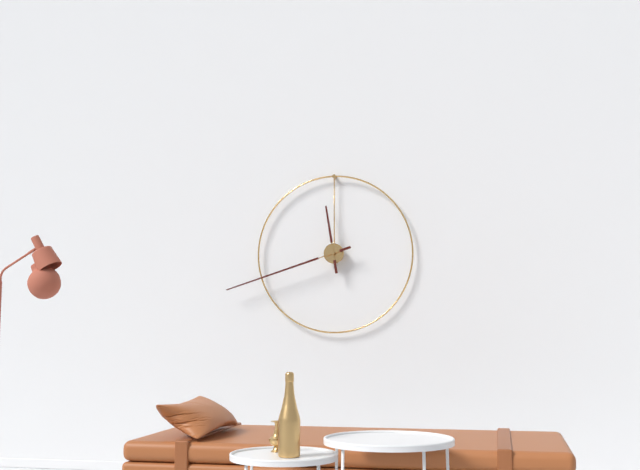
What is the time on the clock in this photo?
11:42
